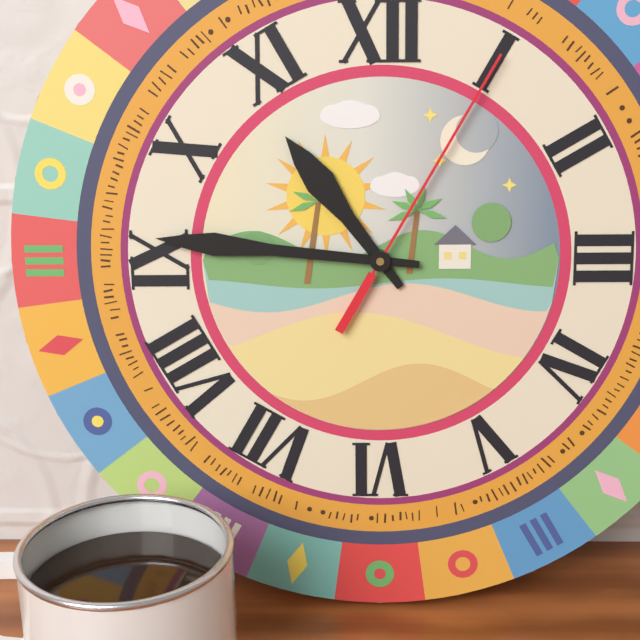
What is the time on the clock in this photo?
10:46:05
